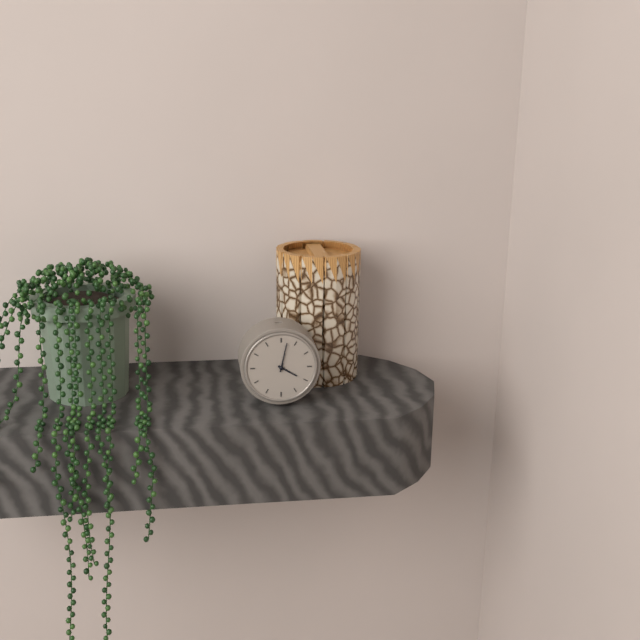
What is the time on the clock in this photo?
4:02
